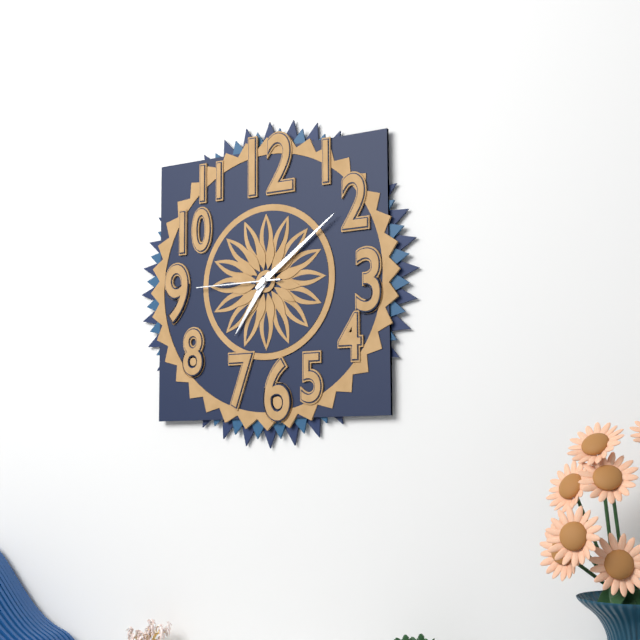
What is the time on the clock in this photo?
7:09:45
